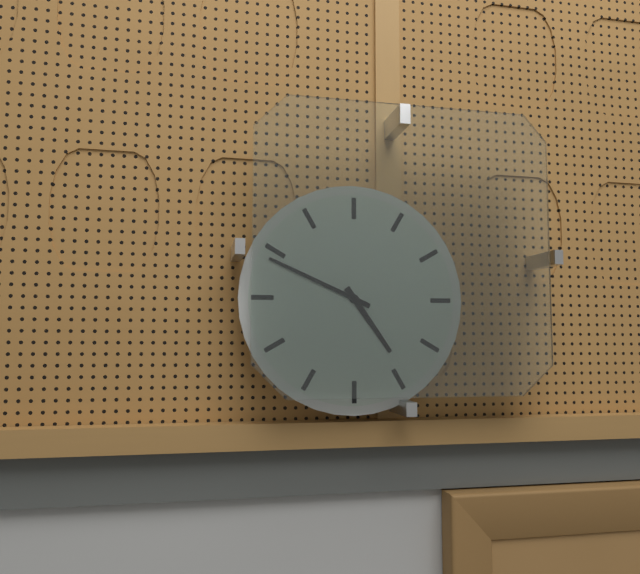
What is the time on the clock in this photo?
4:49
